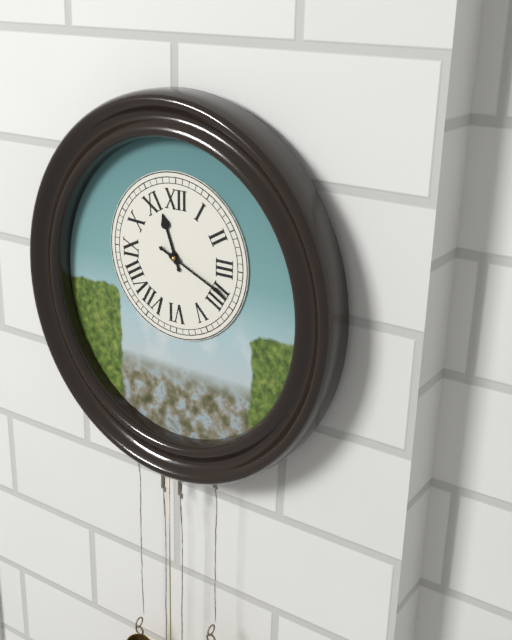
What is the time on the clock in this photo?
11:19
